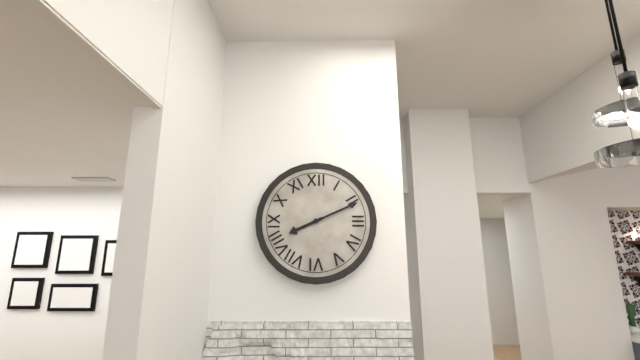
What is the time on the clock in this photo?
8:11
